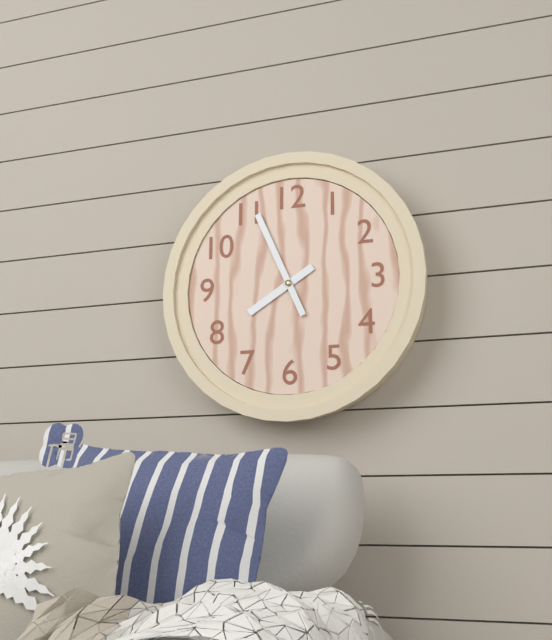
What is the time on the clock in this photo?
7:56
